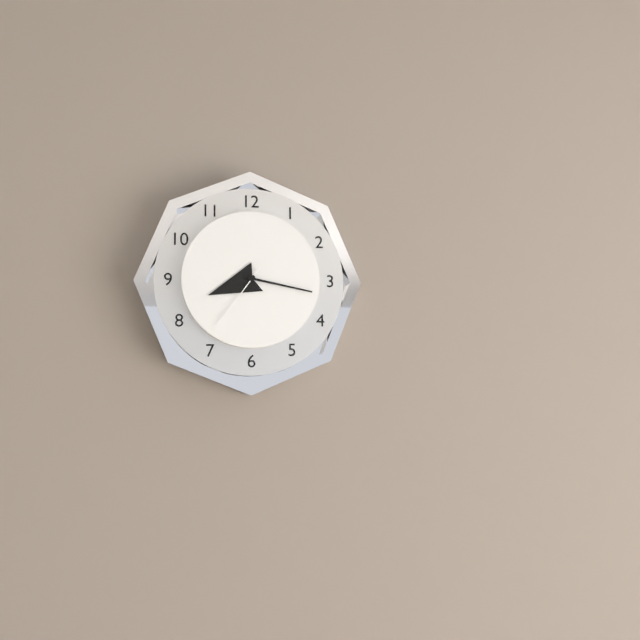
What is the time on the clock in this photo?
8:17:36
